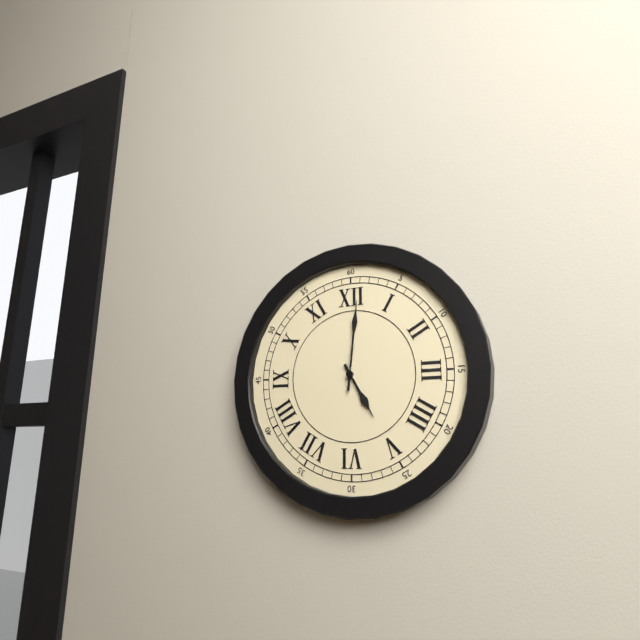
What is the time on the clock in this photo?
5:01
